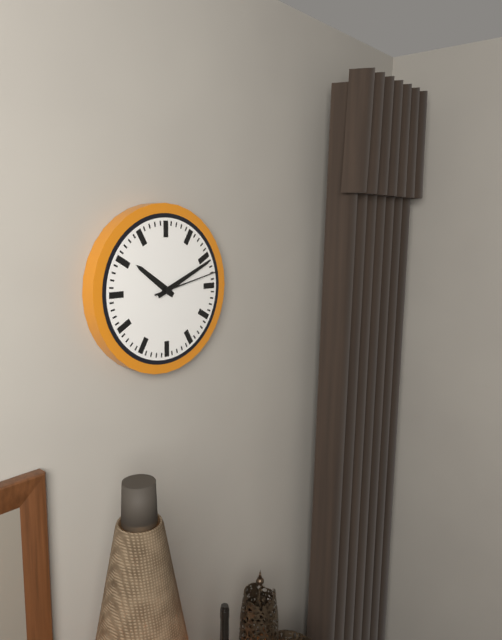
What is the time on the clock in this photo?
10:11:13
